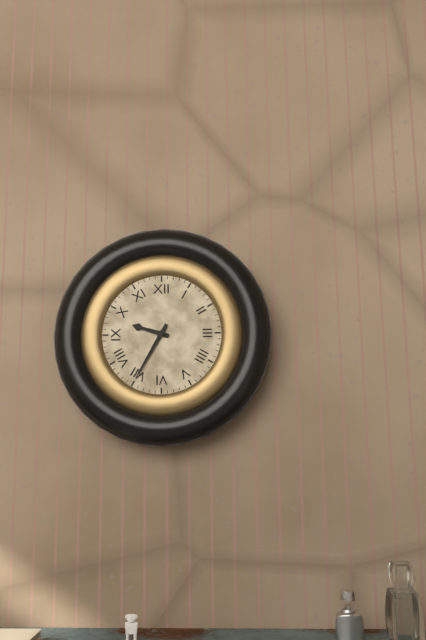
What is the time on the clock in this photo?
9:35
